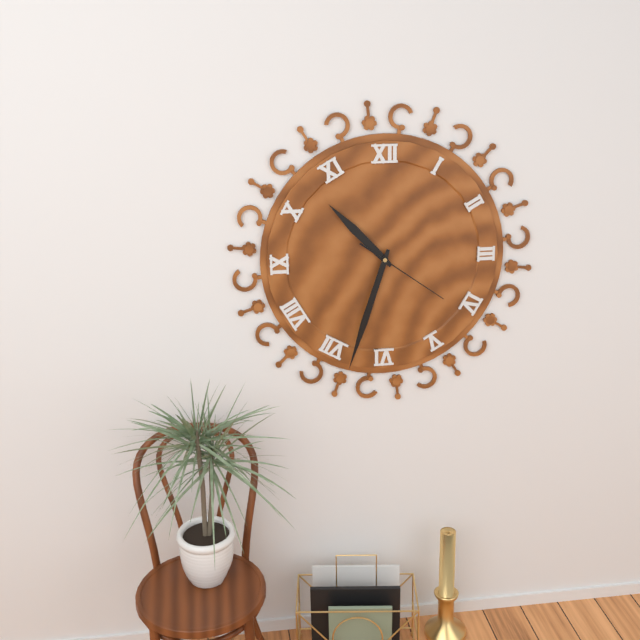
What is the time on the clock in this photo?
10:33:21
